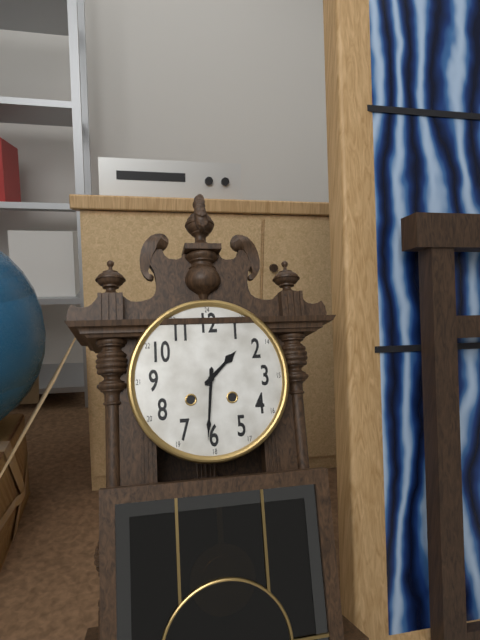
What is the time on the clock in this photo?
1:31
